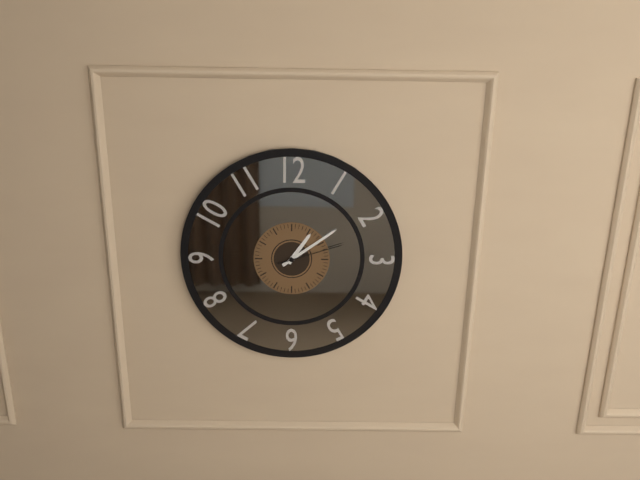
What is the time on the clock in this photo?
1:09:12
